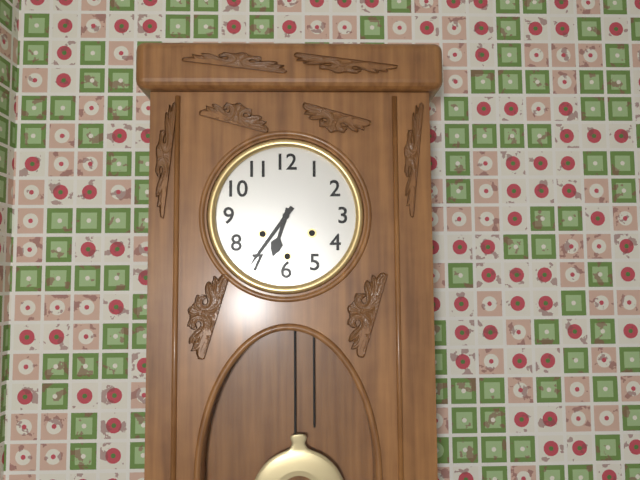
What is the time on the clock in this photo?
6:36
